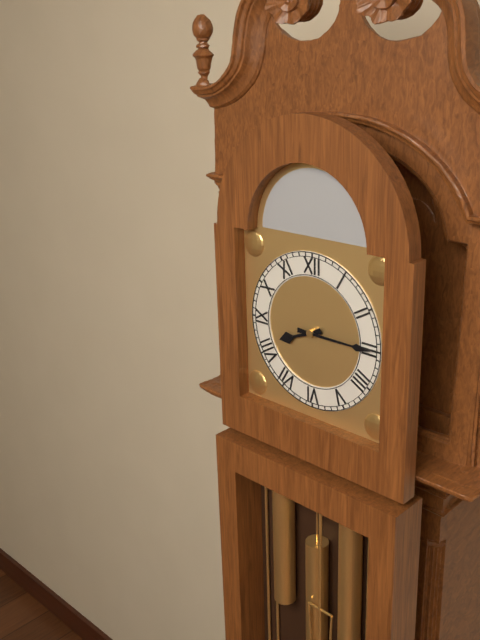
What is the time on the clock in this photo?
8:15
